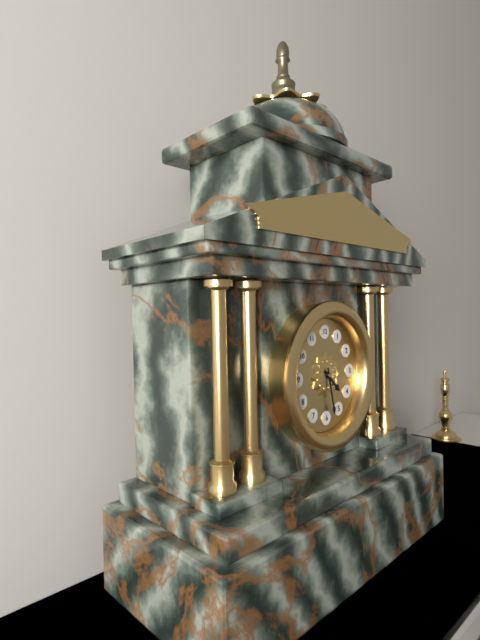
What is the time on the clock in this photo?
4:28
